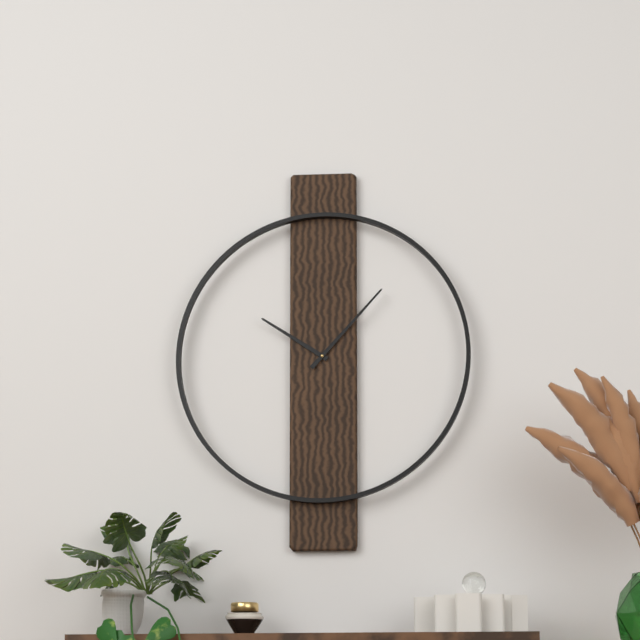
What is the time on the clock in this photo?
10:07
